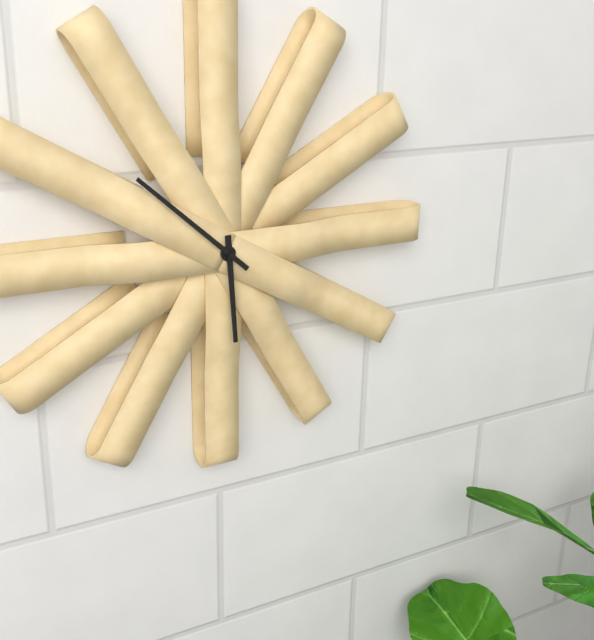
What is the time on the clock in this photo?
5:52
